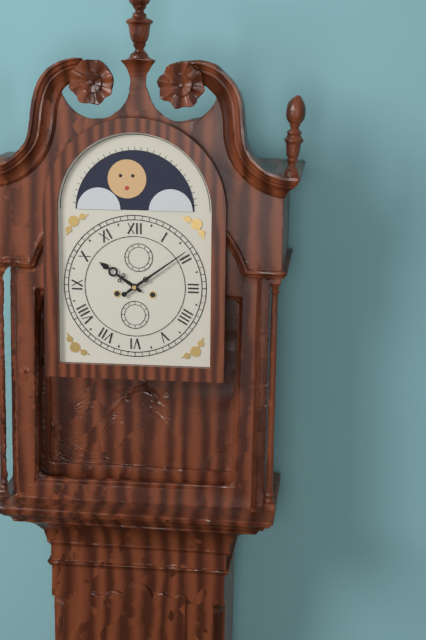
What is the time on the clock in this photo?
10:09
